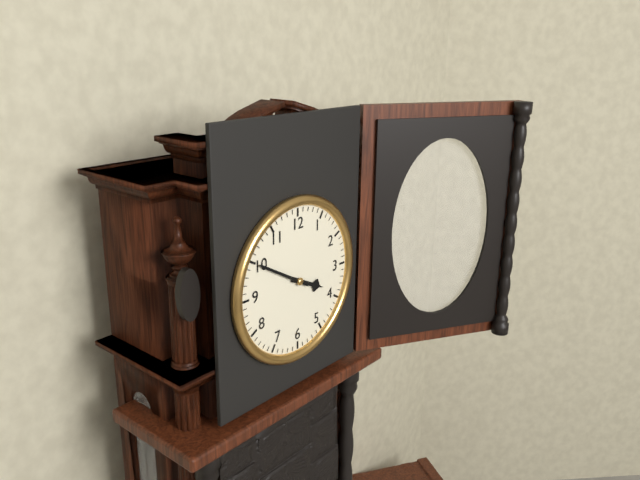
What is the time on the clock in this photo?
3:50
